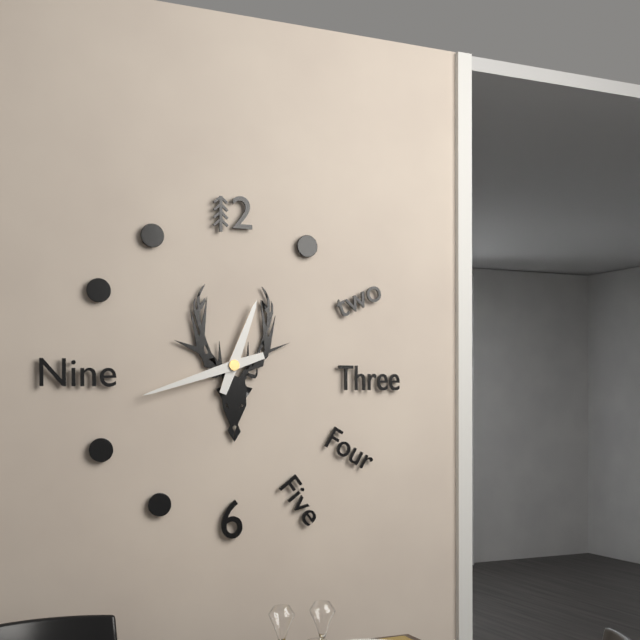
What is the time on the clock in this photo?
12:42
